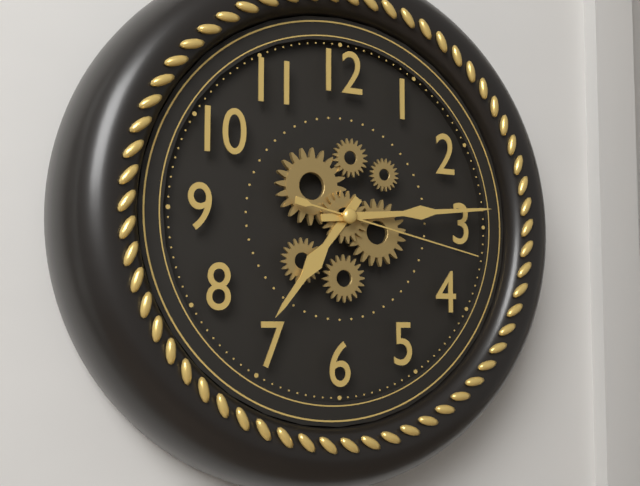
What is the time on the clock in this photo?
7:14:17
